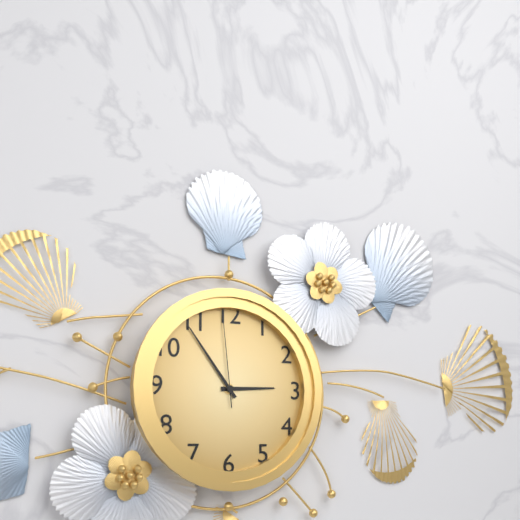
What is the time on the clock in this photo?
2:54:59
